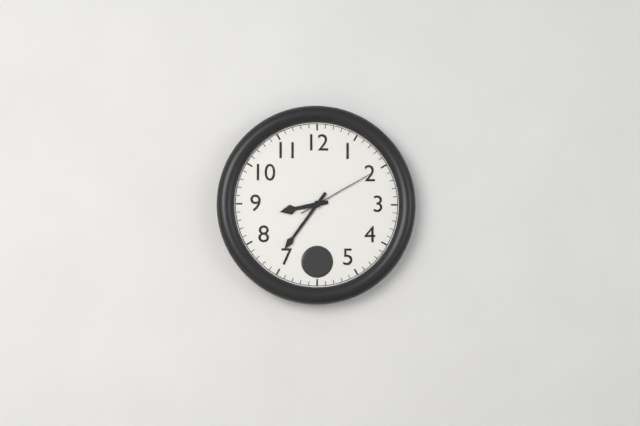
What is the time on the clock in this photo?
8:36:10
